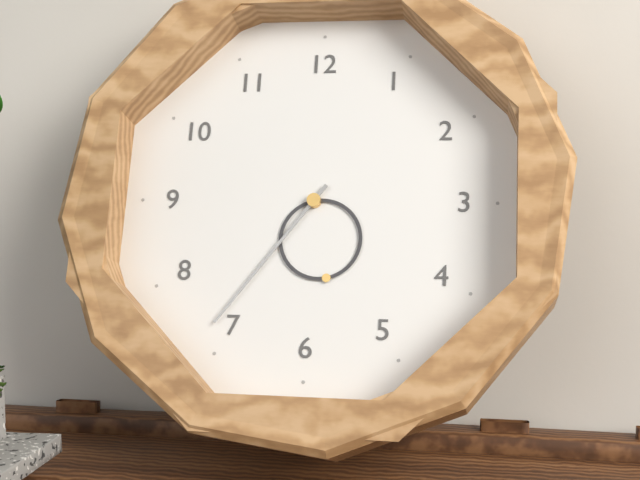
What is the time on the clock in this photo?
5:36
